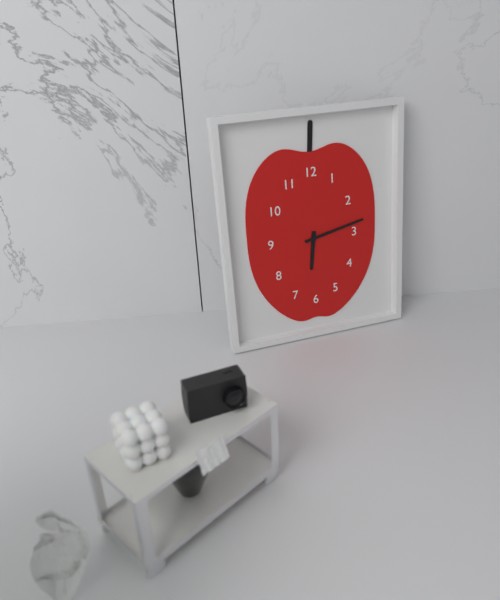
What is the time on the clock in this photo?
6:13
